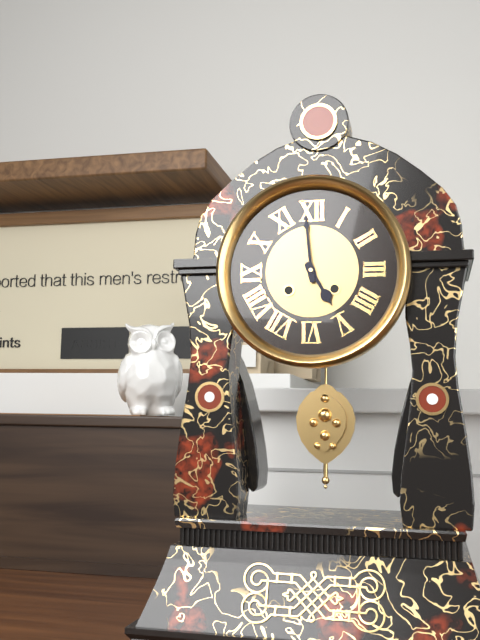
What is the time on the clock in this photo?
4:59
